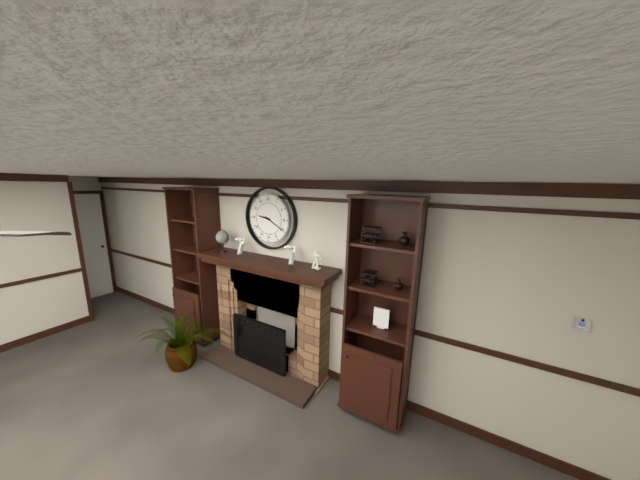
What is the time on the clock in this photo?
9:20
